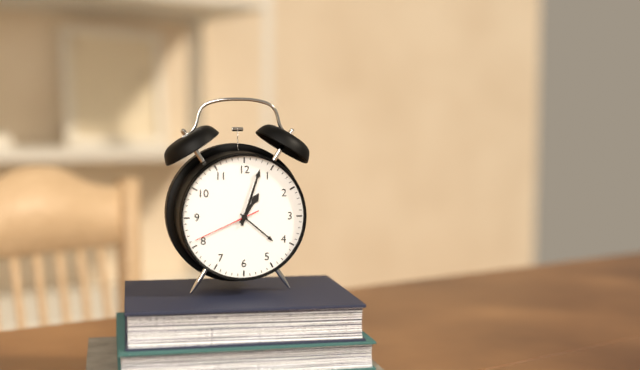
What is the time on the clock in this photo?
1:03:41
